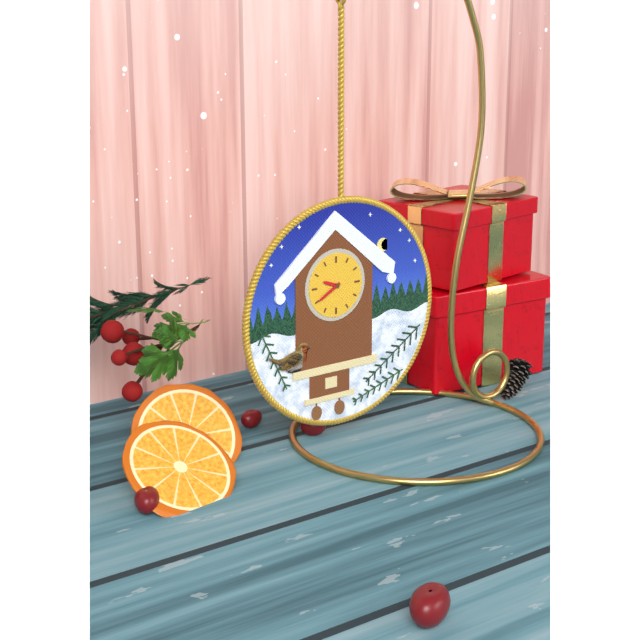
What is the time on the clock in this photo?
9:40
